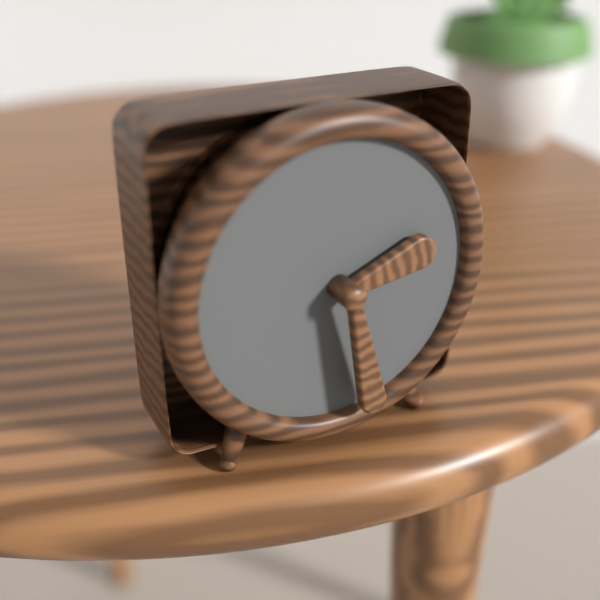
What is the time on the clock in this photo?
2:28
